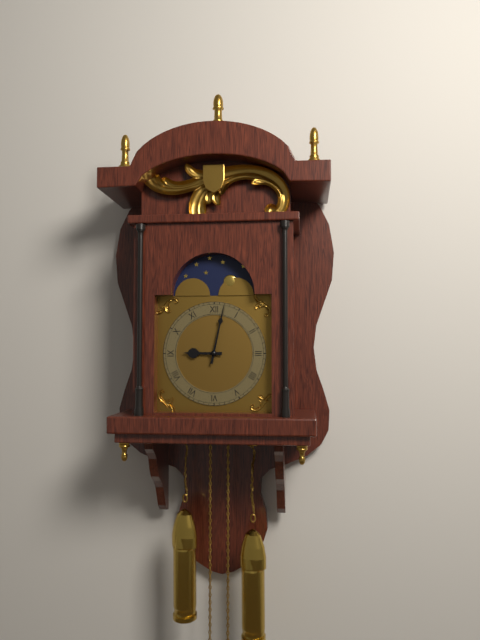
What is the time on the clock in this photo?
9:02
